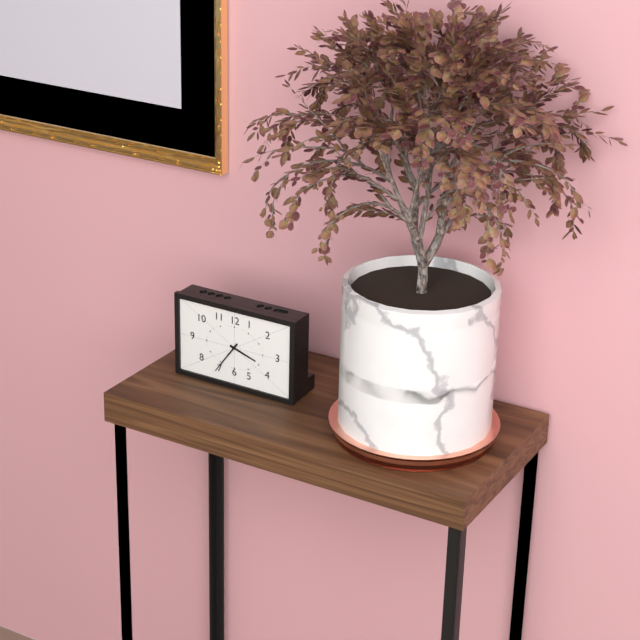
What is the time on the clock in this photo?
3:36
